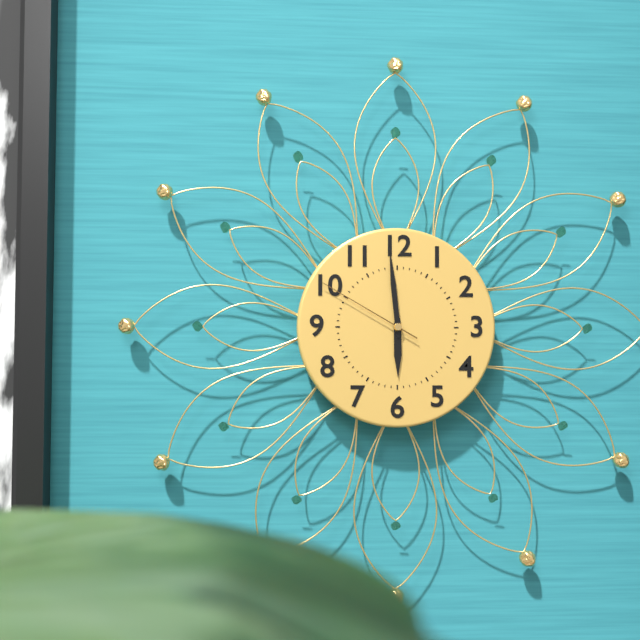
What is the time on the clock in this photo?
5:59:50
